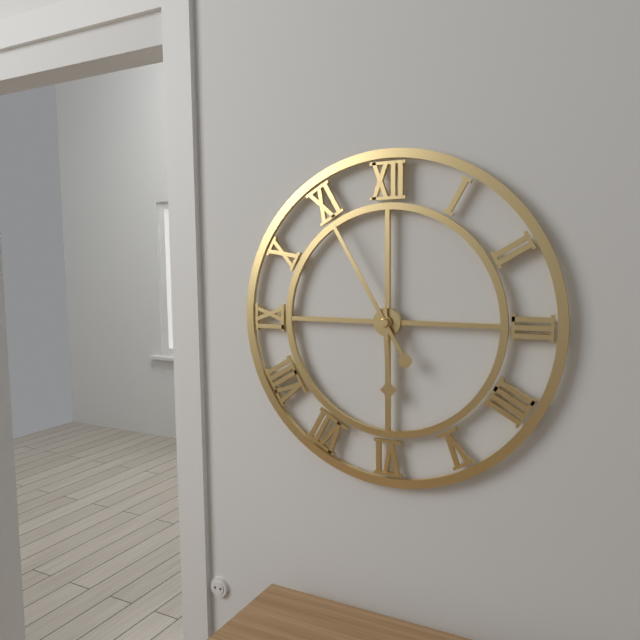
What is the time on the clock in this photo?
5:55
